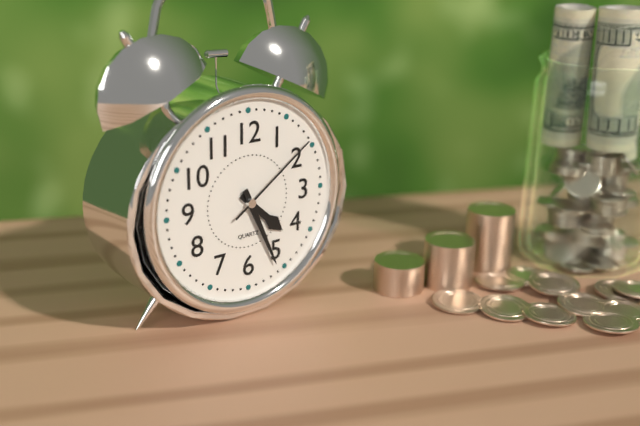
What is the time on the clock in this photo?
4:26:09
